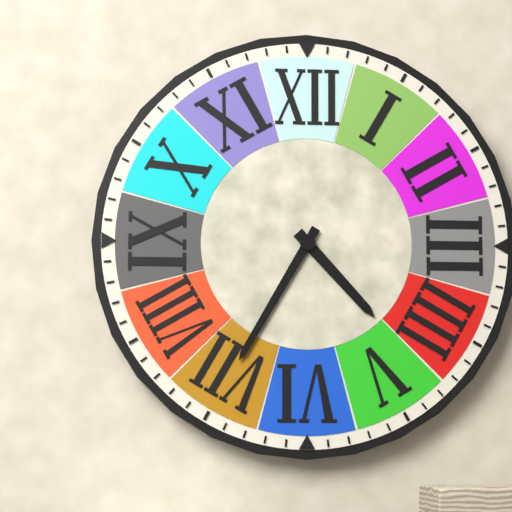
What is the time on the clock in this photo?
4:35
